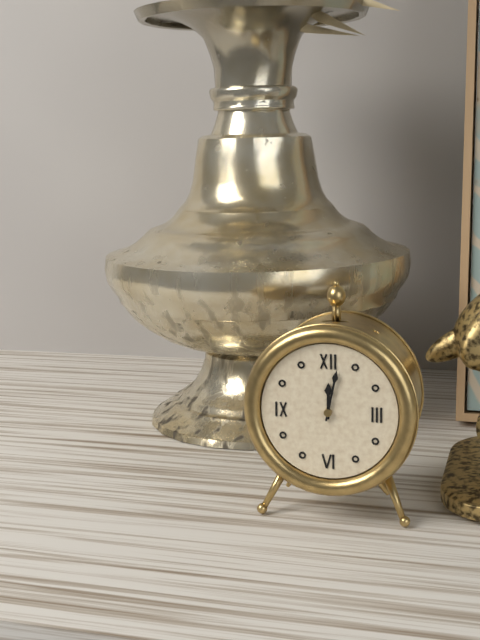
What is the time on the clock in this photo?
12:02
